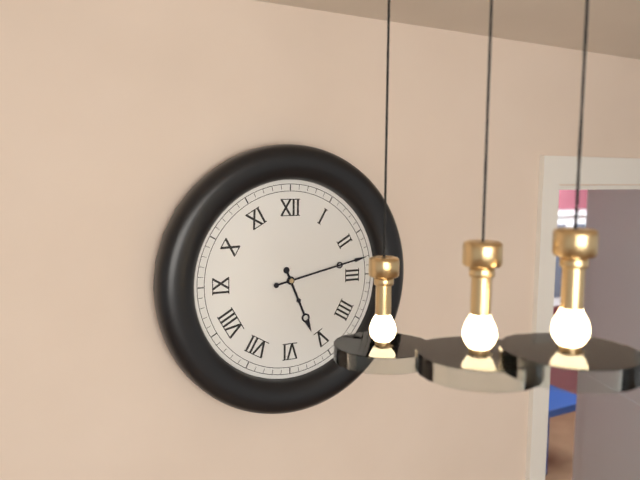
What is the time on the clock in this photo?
5:13
